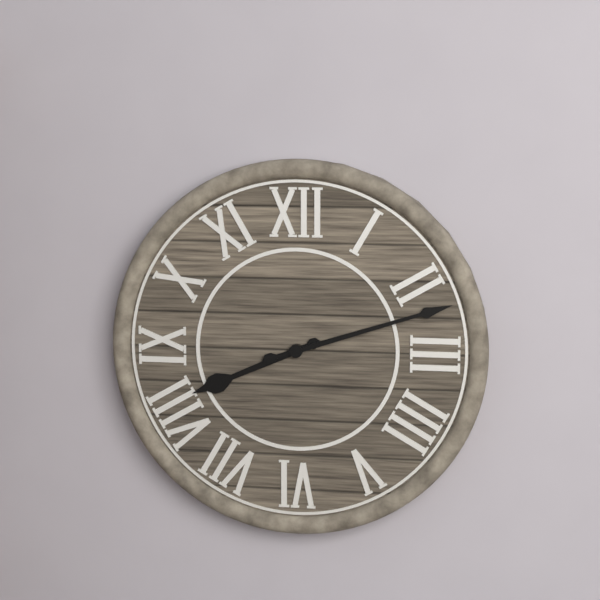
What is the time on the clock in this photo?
8:12
